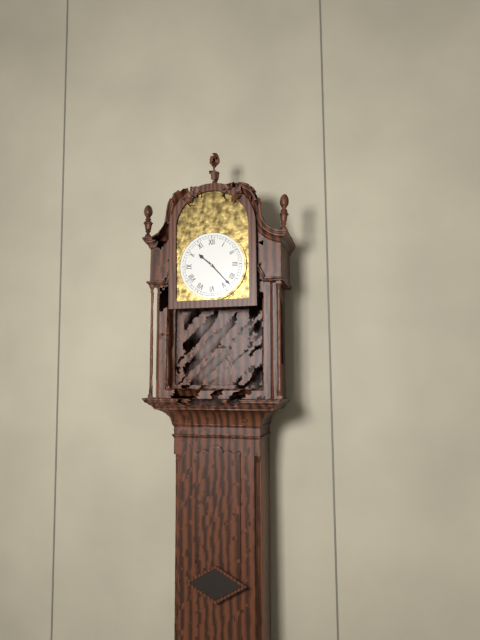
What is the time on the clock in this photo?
10:23
